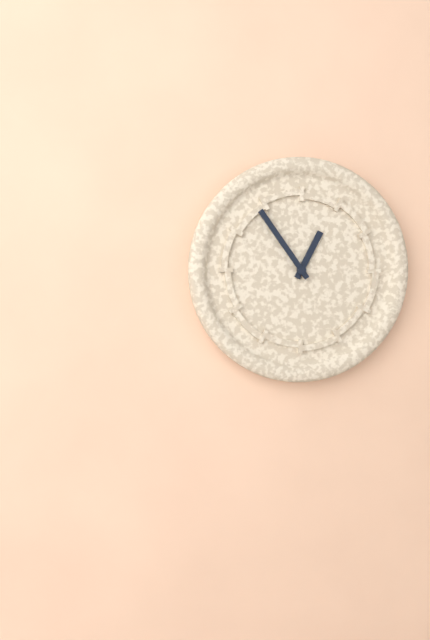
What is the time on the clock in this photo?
12:54
